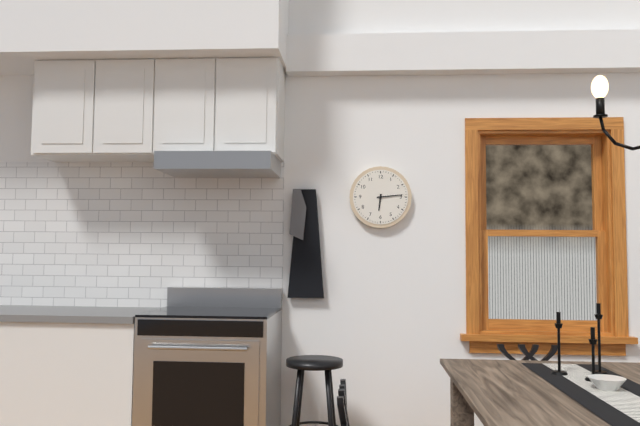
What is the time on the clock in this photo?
6:14
